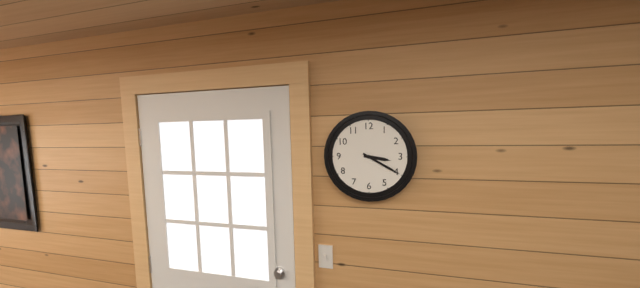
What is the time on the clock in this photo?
3:20
